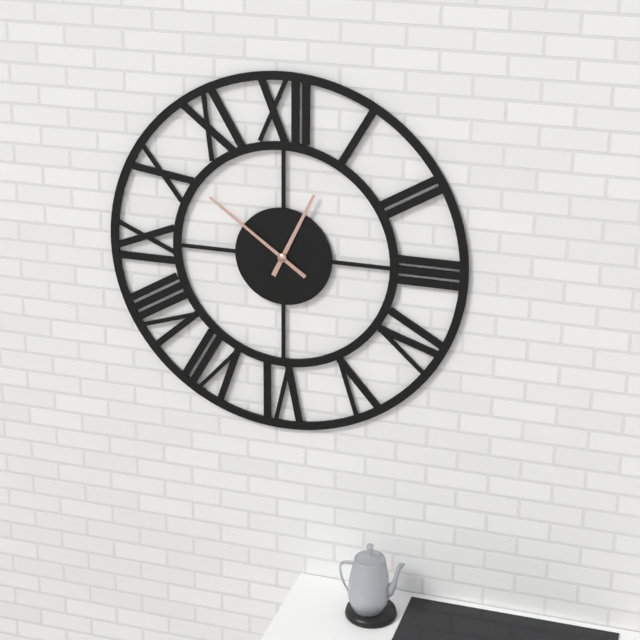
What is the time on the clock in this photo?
12:51
